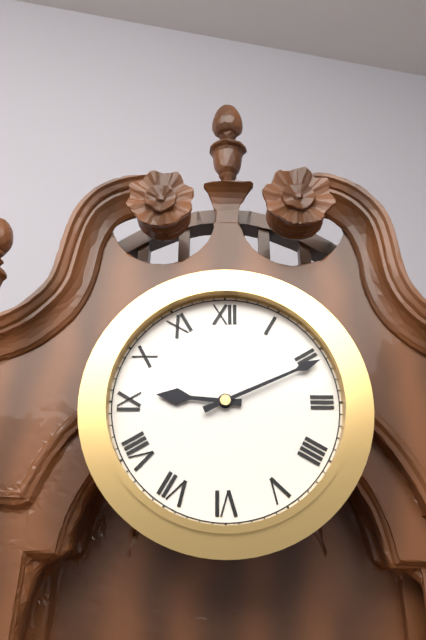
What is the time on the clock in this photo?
9:11
